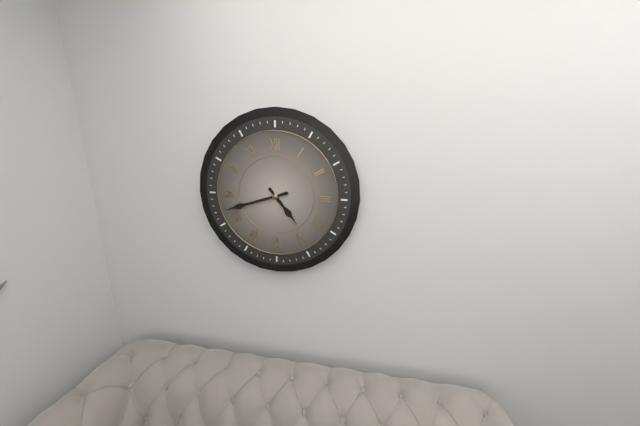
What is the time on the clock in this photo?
4:42
